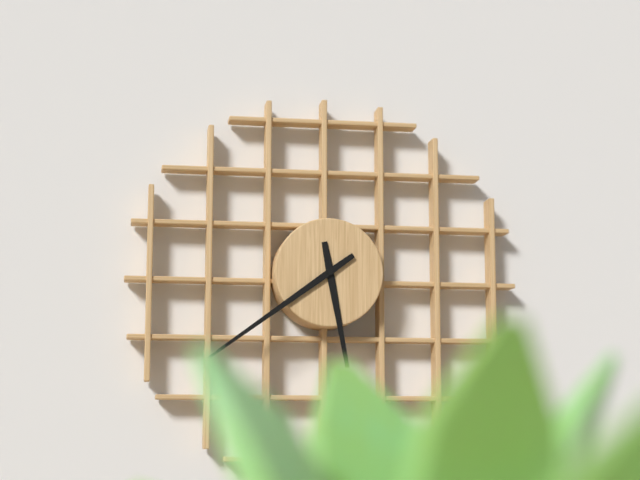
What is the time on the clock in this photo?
5:39
